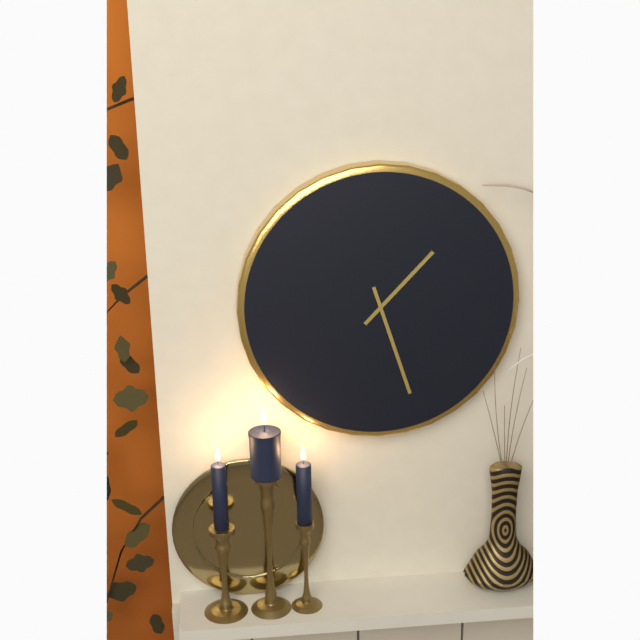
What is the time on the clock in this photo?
1:27
